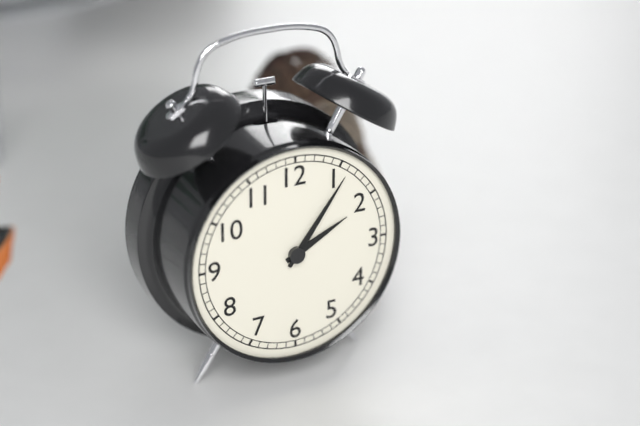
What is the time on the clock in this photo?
2:06
